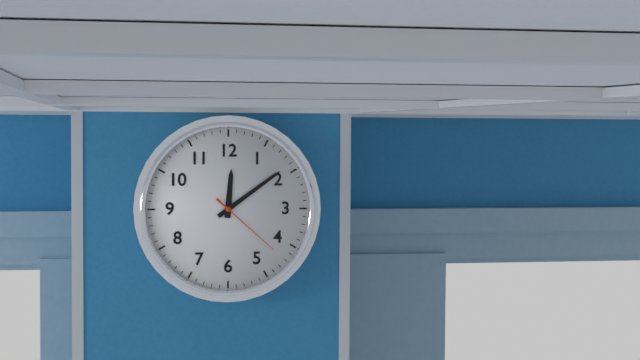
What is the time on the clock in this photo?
12:09:22
